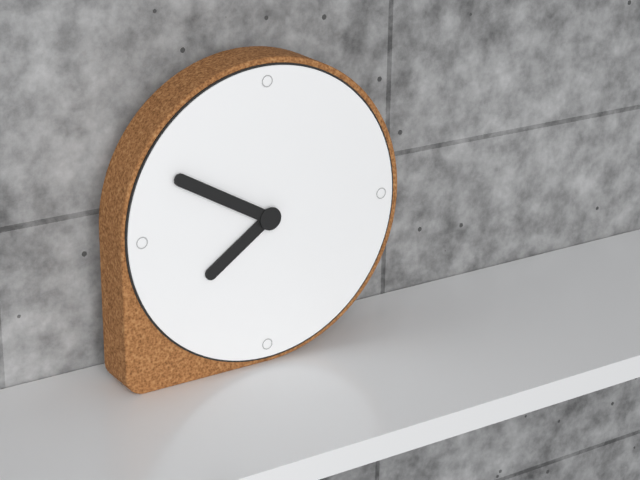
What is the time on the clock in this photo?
7:50
